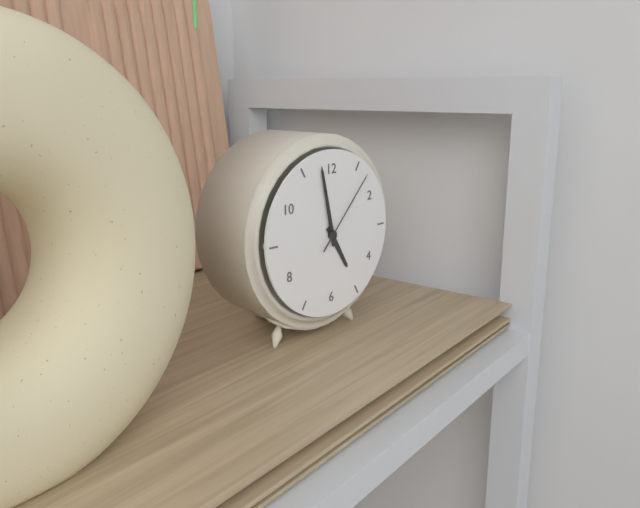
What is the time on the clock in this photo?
4:58:07
